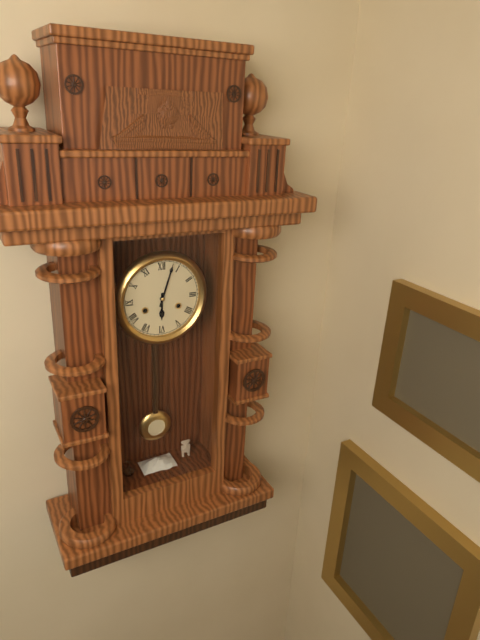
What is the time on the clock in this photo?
6:03
